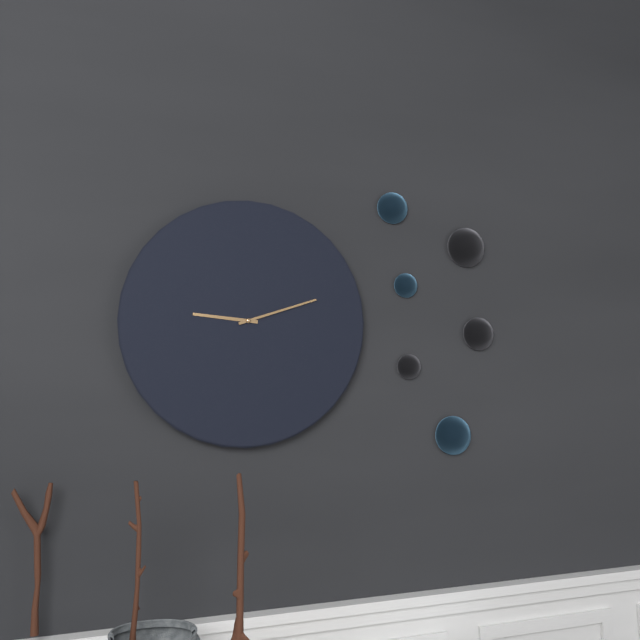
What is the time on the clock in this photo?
9:12
